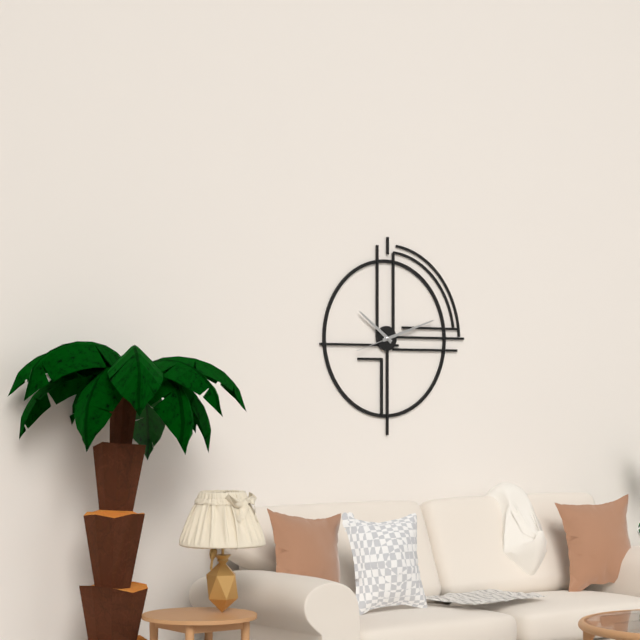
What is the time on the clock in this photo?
10:12
